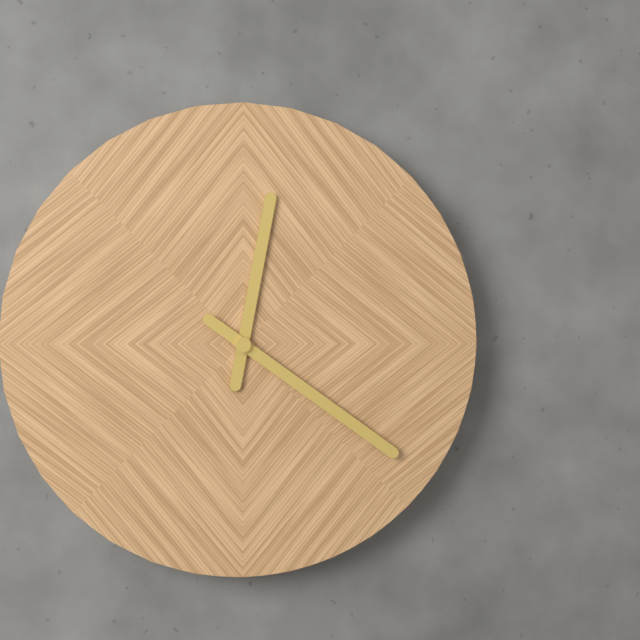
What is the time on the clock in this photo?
12:21
